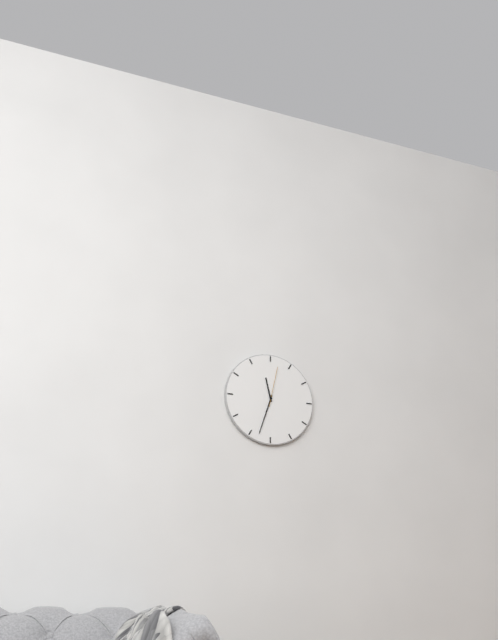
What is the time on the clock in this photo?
11:33
